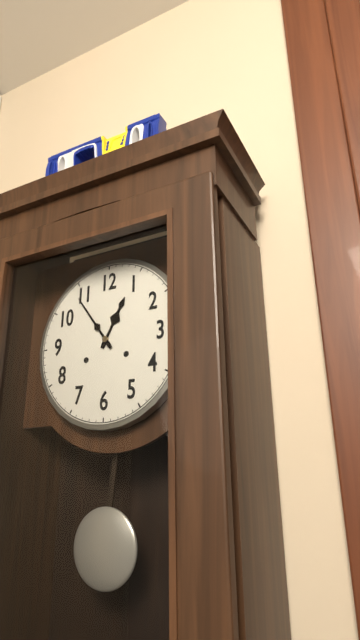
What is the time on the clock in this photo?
12:54
